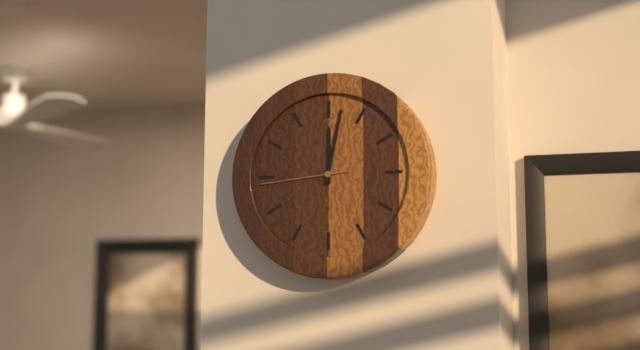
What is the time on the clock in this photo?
12:02:44
